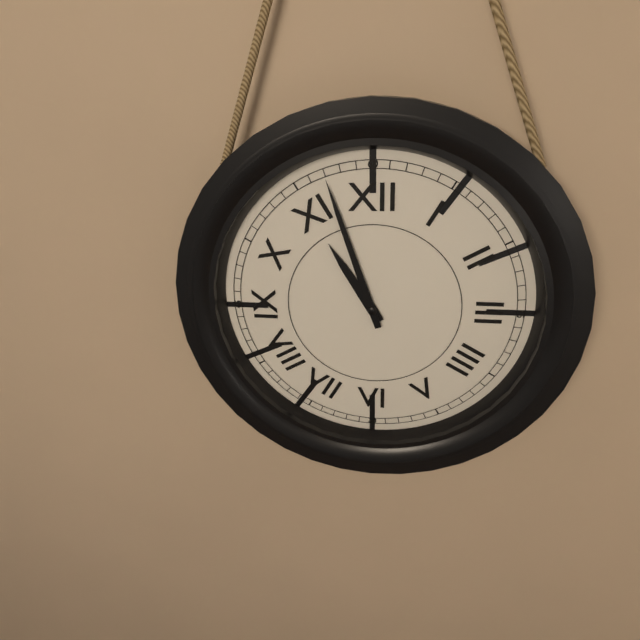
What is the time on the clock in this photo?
10:57
